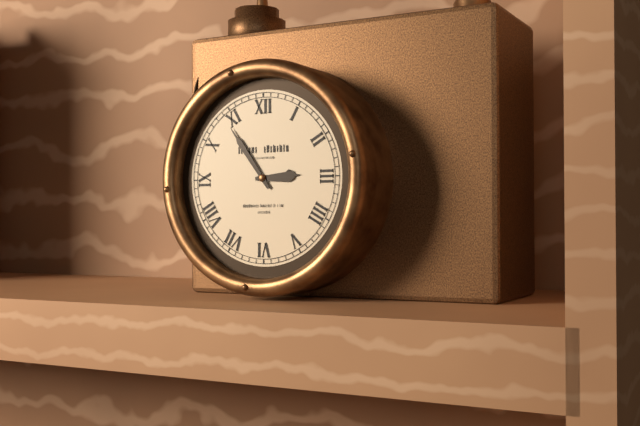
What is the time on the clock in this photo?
2:54
